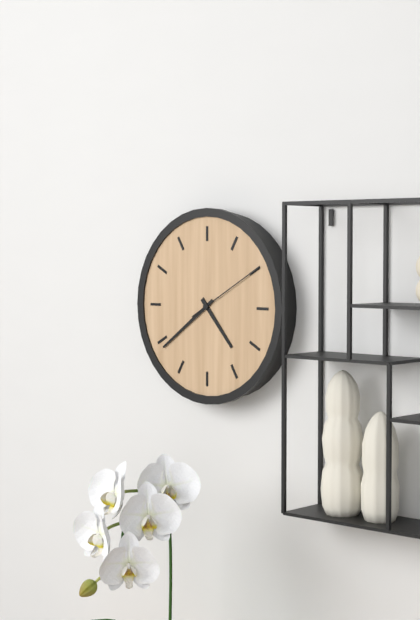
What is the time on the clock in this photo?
4:39:10
